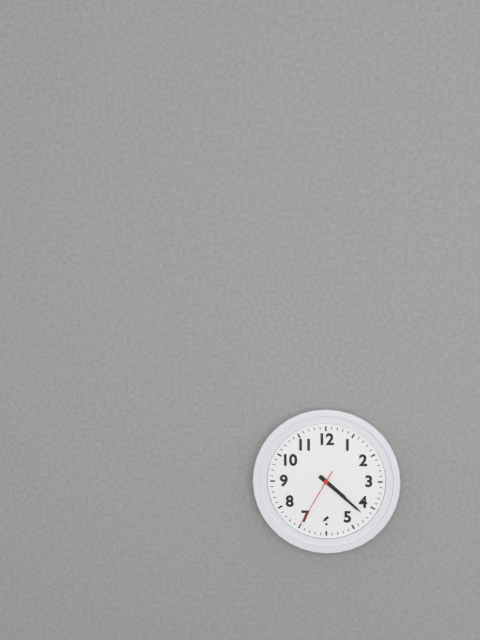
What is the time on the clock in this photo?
4:22:35
